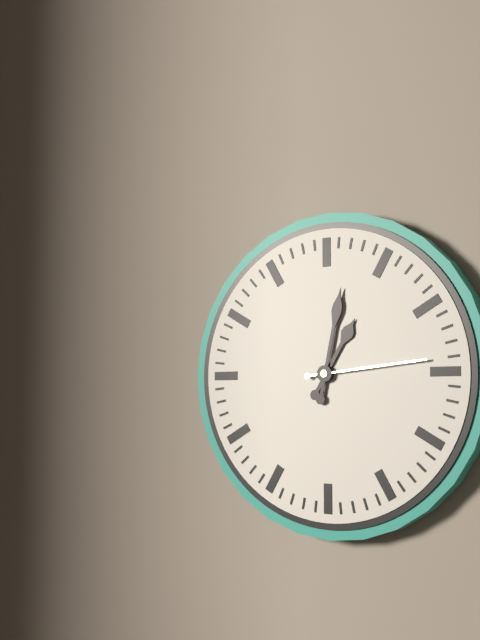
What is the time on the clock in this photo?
1:02:14
